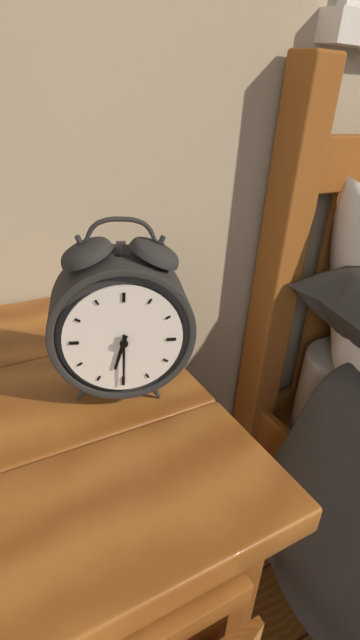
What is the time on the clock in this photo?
6:30
